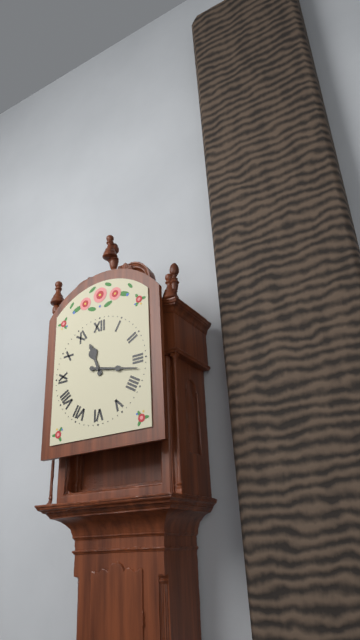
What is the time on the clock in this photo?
11:17
